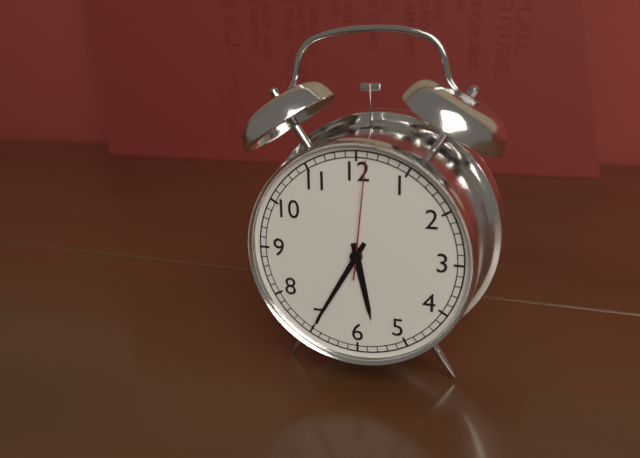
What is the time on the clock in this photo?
5:35:01
